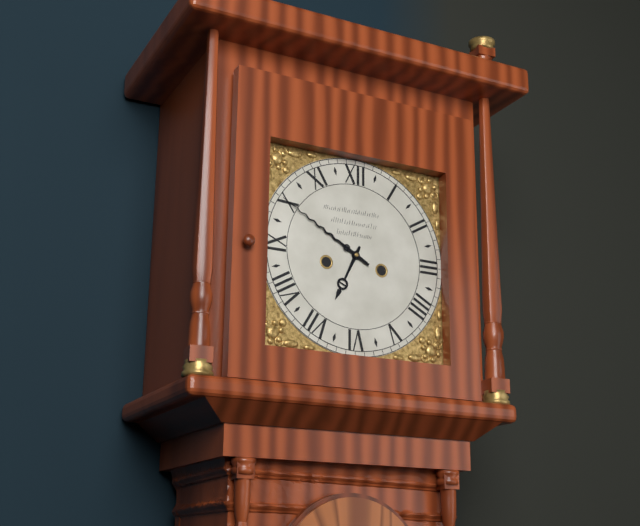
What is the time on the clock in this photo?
6:50
